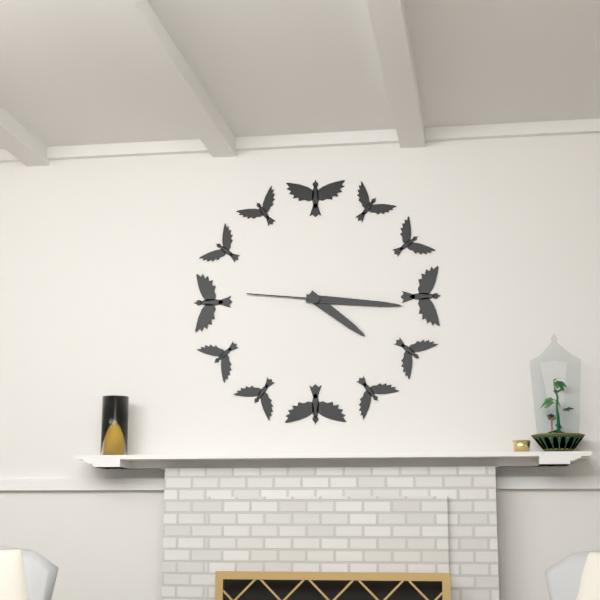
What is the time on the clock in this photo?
4:16:46
